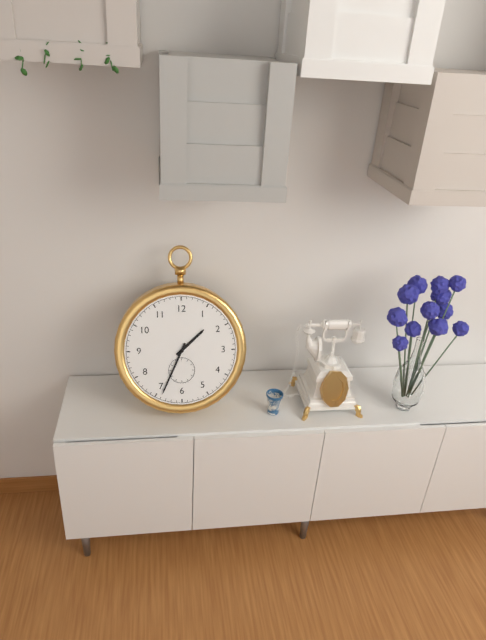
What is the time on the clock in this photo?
1:34
